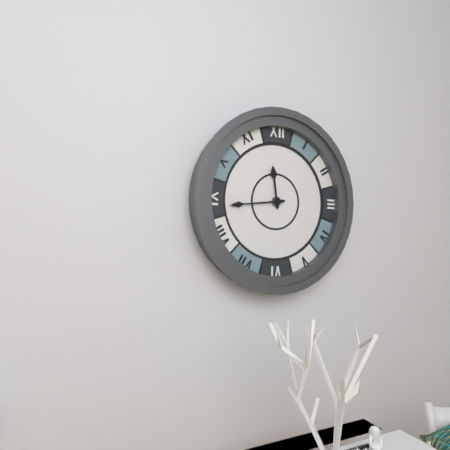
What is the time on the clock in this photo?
11:44
